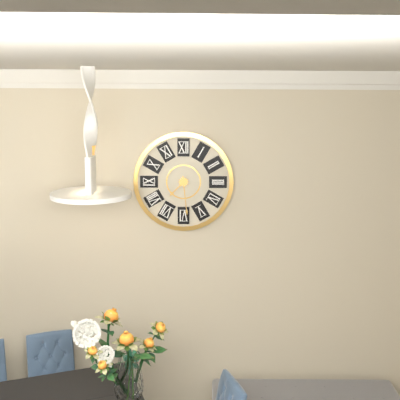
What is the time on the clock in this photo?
7:29
